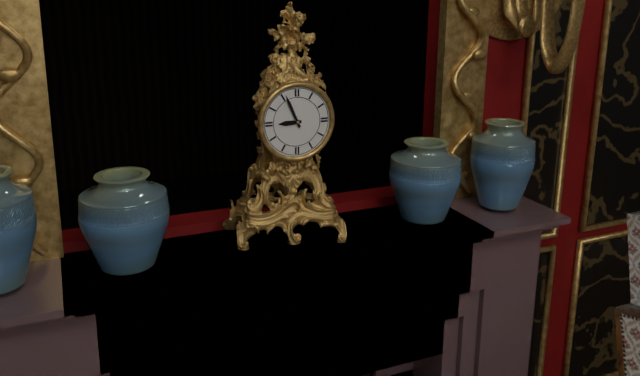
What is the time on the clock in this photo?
8:56
